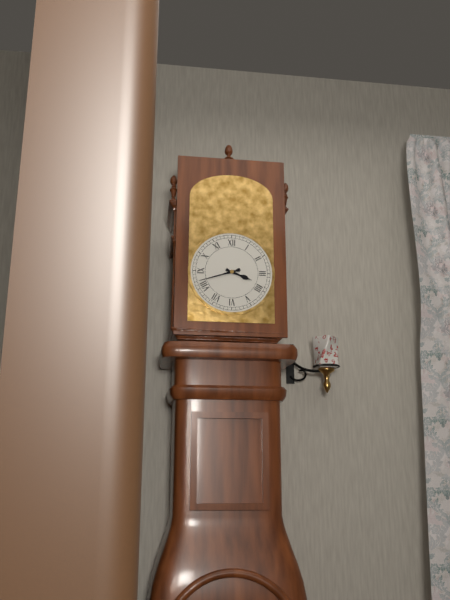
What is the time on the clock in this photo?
3:42
